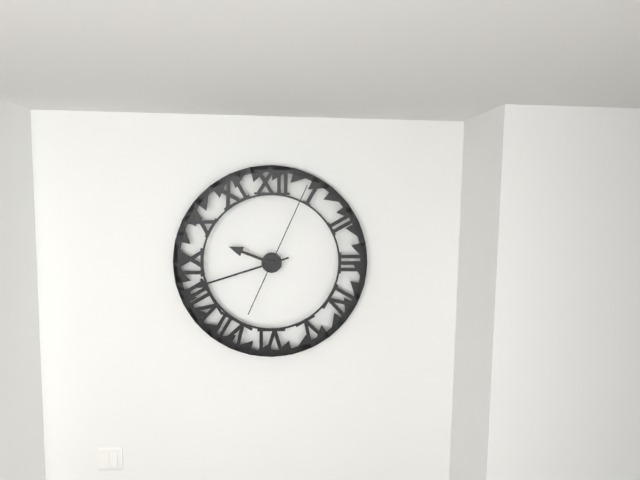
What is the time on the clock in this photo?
9:42:04
